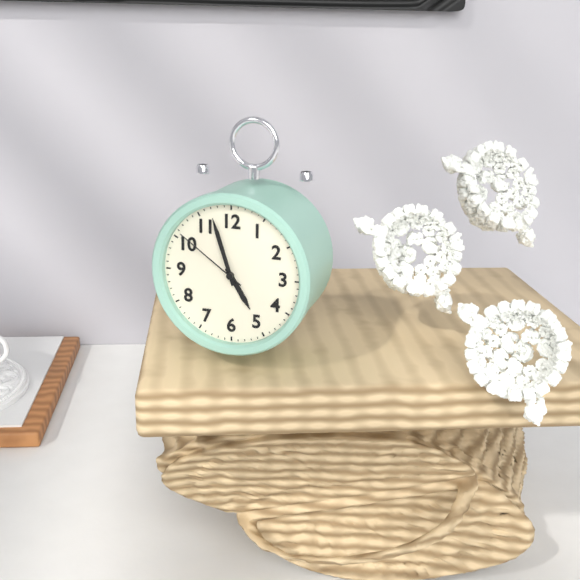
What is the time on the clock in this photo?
4:57:51
